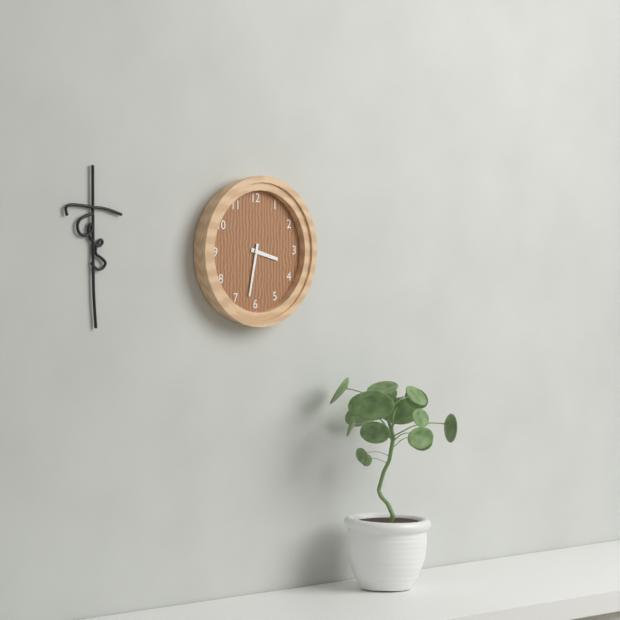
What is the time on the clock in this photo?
3:32
